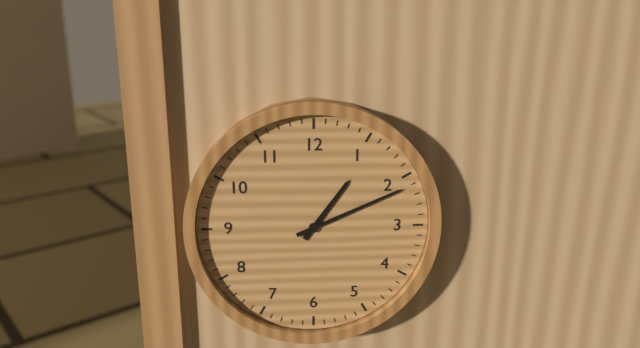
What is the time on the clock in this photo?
1:11
